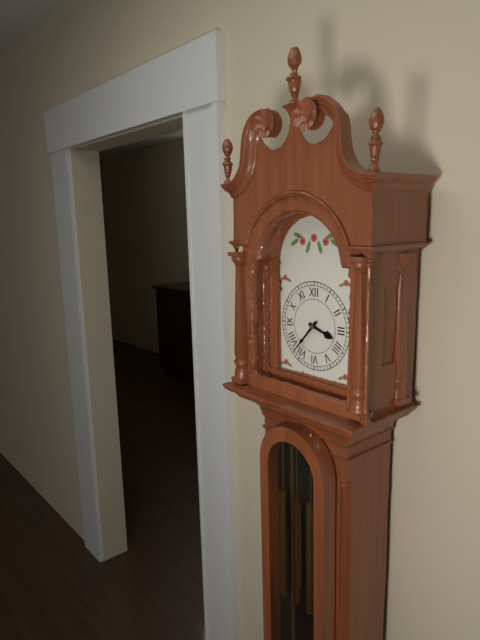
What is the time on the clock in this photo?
3:37
